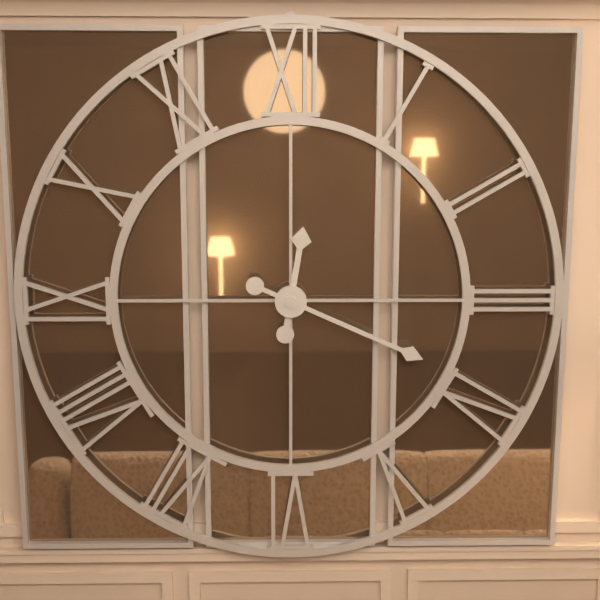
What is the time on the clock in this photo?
12:19
